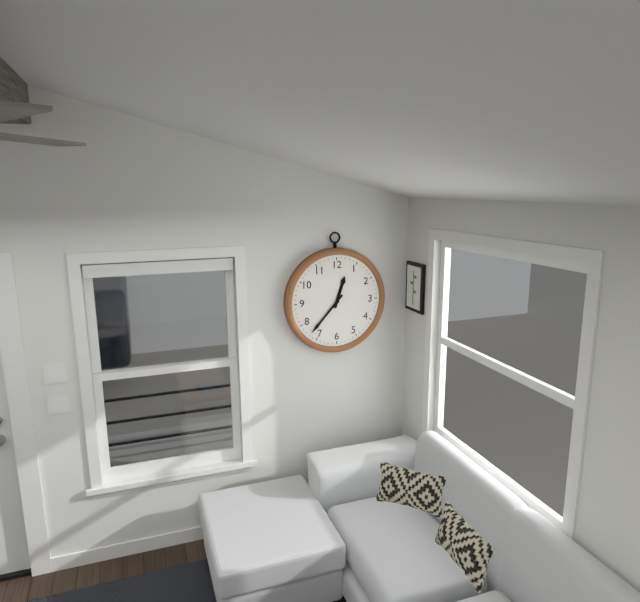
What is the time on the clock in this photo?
12:37
